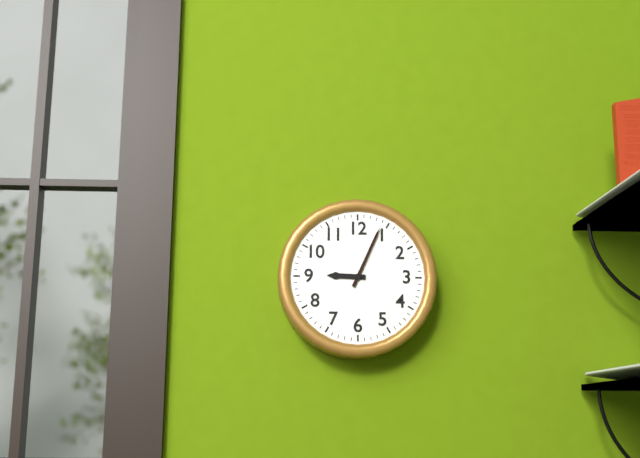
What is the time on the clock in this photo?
9:04
